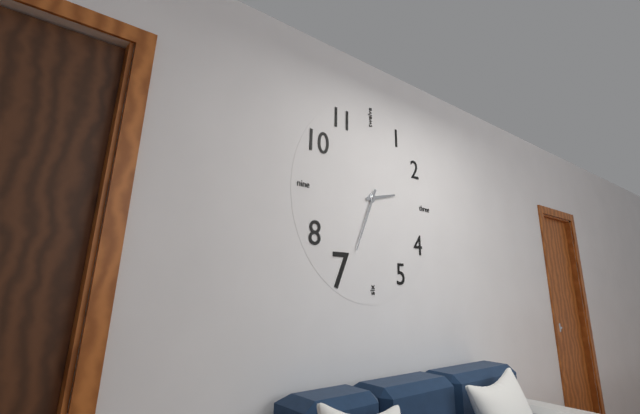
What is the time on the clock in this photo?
2:34
